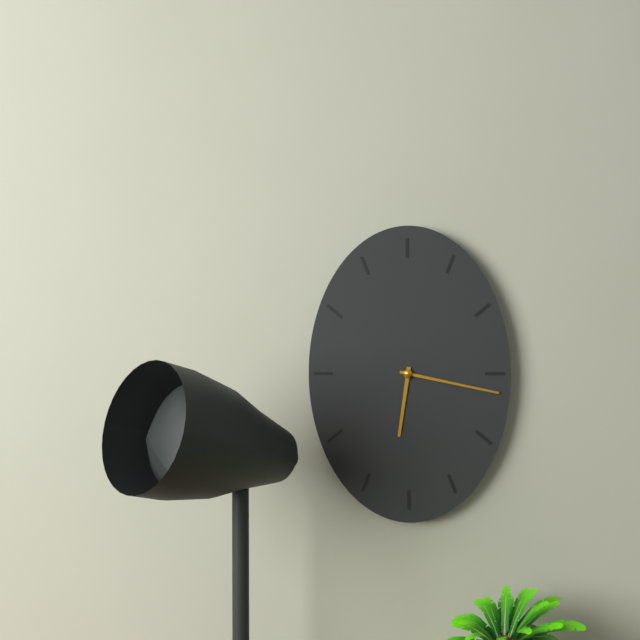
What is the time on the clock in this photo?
6:17
